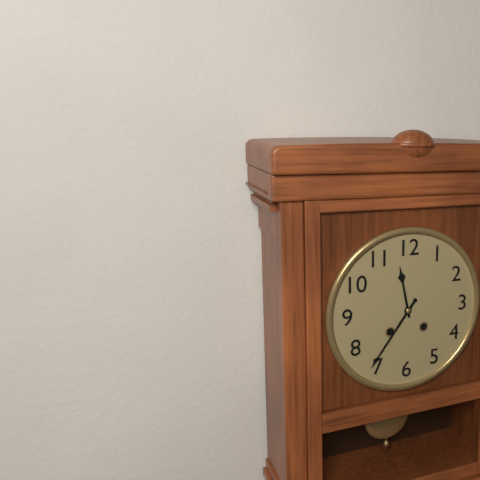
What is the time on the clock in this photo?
11:36
